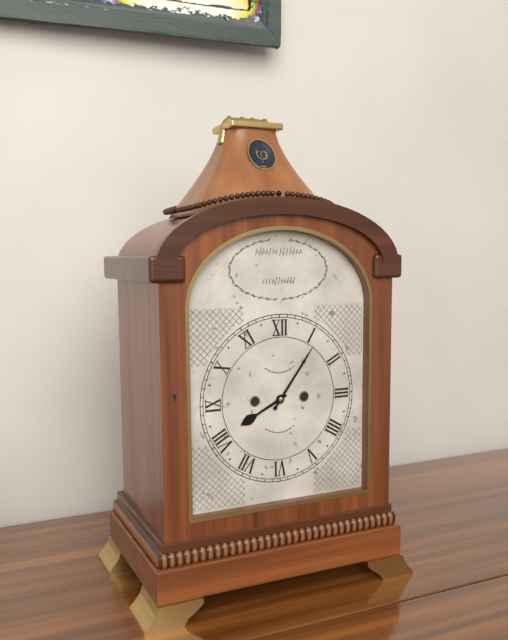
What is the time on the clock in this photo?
8:06
